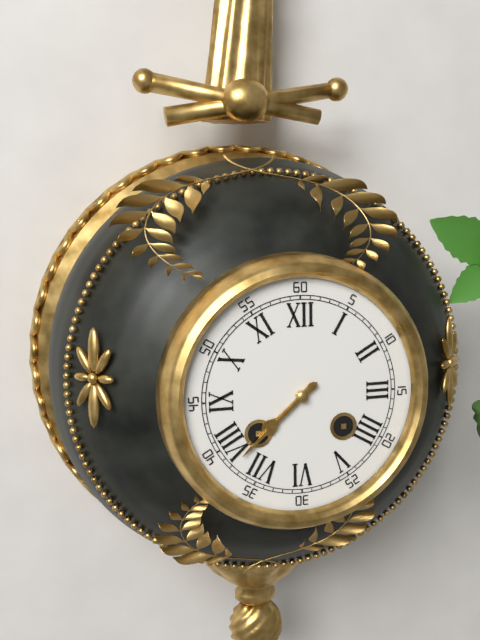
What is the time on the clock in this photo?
7:38
